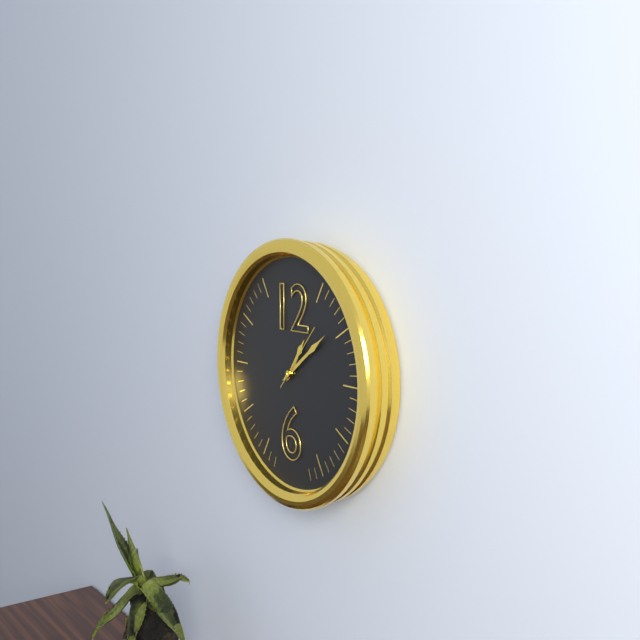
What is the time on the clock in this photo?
1:09:07
